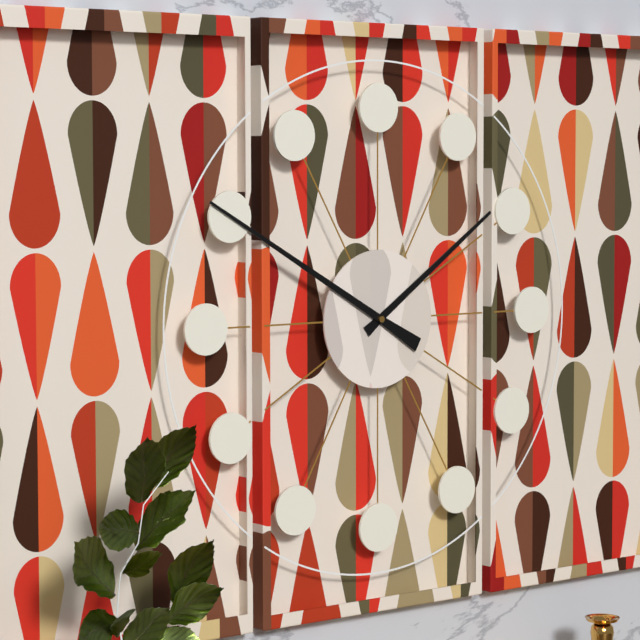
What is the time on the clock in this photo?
1:50
